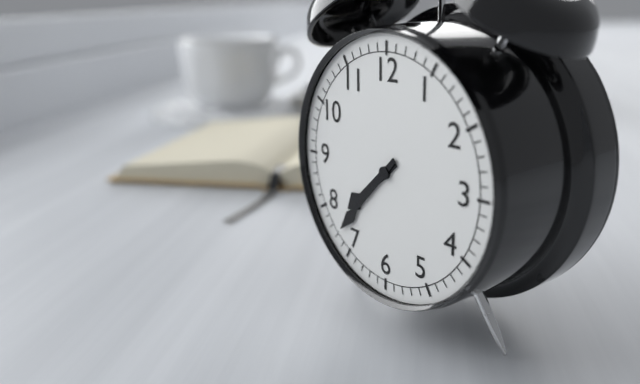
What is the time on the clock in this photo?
7:37
